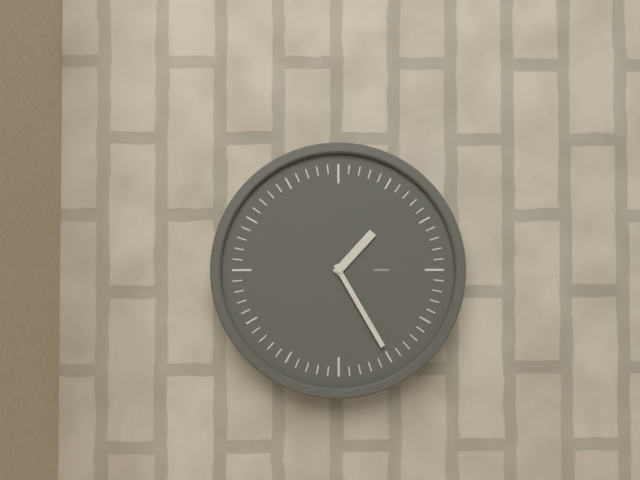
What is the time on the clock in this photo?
1:25
